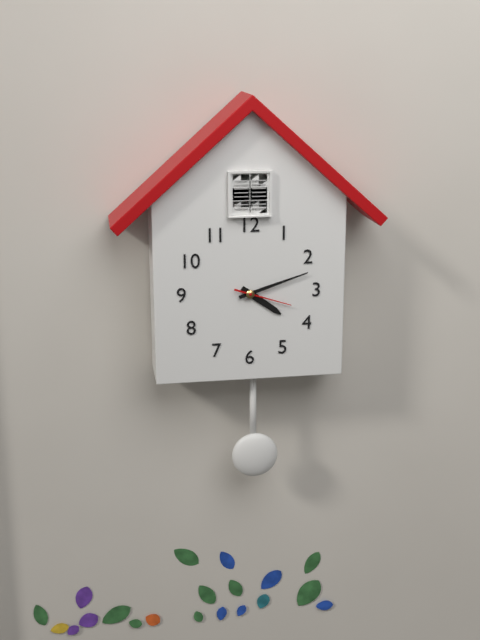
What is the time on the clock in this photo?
4:12:18
